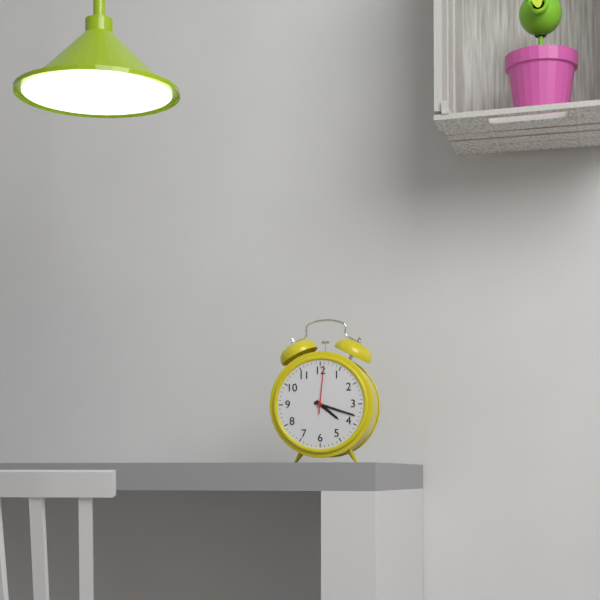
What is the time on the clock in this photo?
4:18
